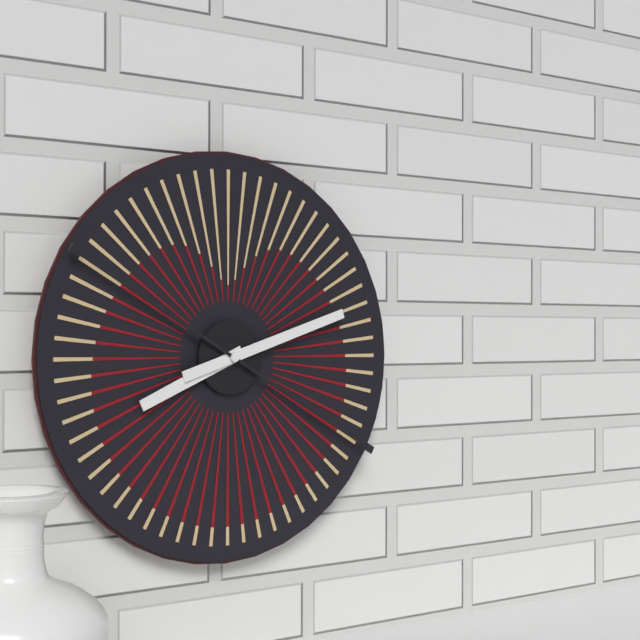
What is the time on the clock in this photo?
8:12
